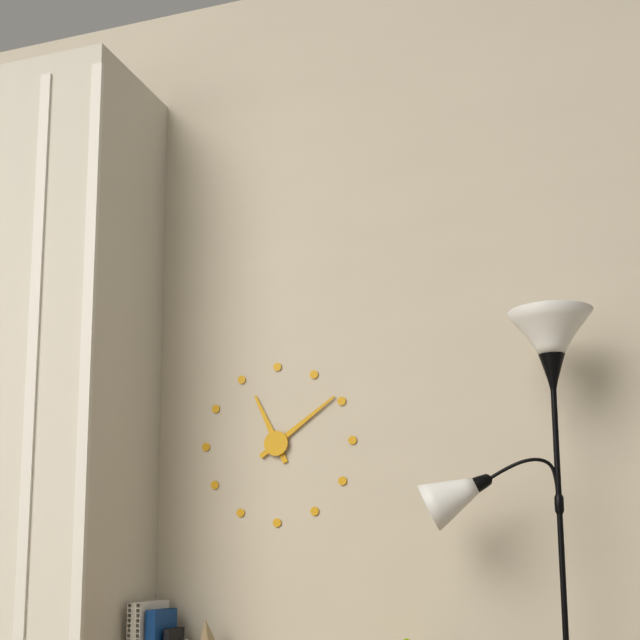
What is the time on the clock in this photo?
11:09
